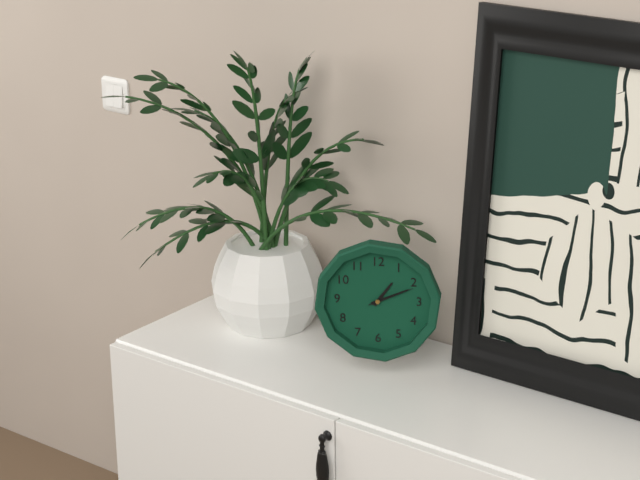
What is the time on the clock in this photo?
1:11
